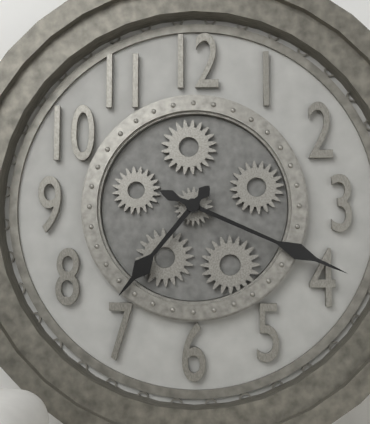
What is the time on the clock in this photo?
7:19
